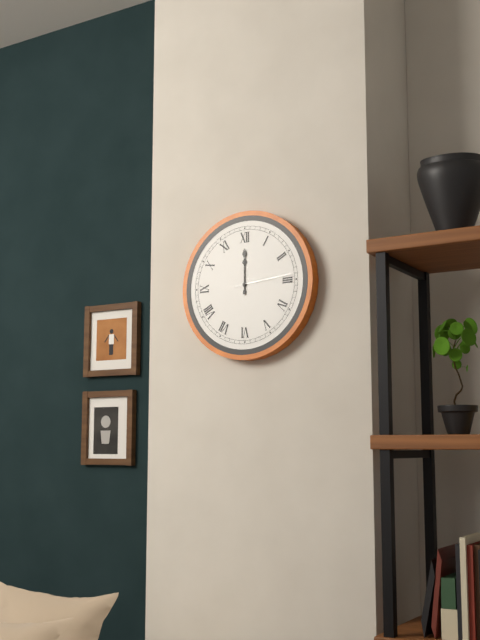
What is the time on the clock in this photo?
12:00:14
